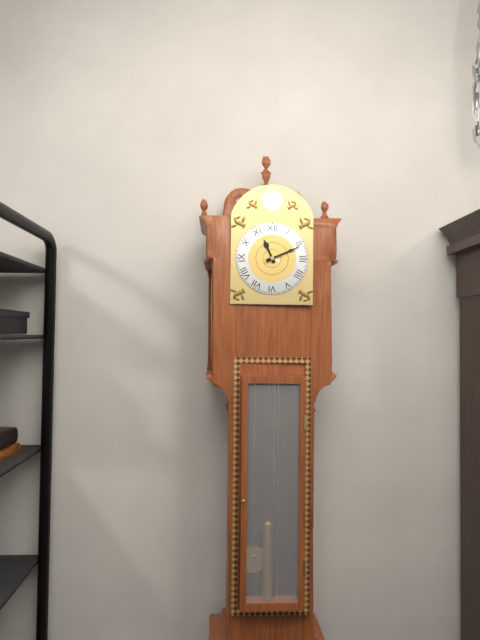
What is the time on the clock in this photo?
11:11
